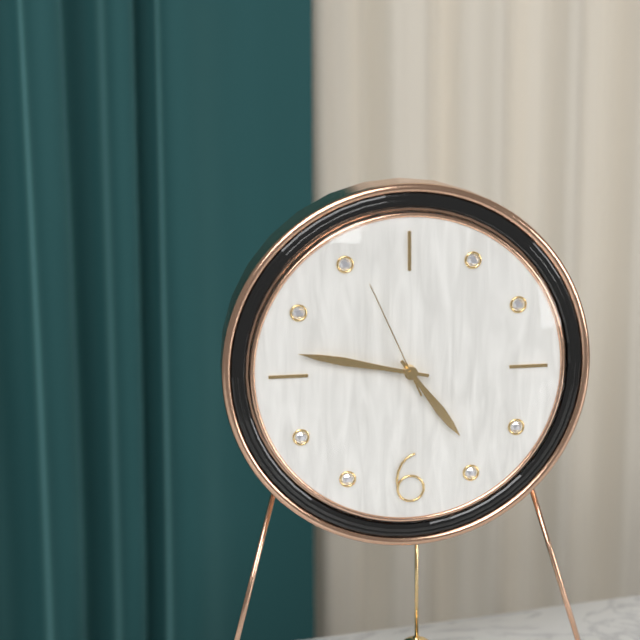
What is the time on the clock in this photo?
4:47:56
